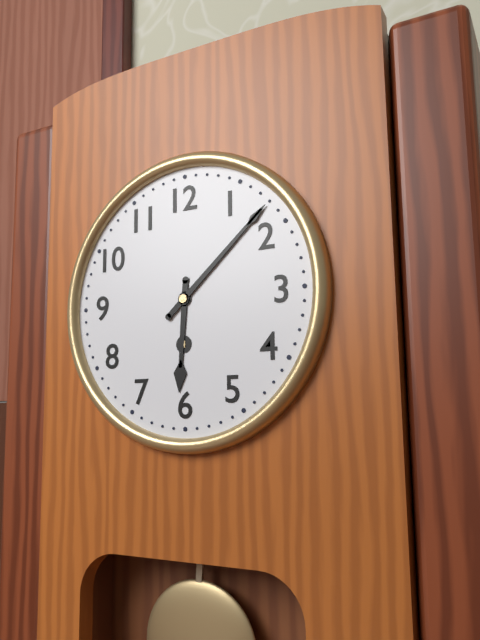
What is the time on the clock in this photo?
6:08
